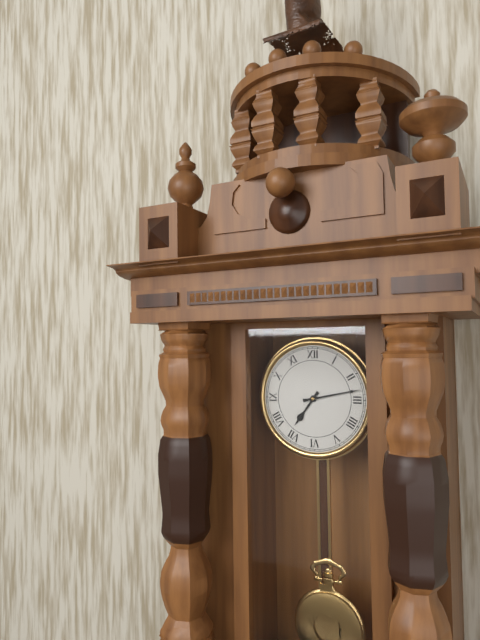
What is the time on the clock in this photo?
7:13
